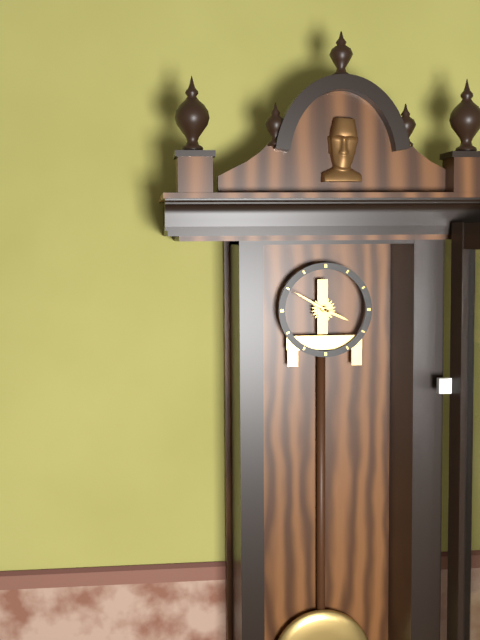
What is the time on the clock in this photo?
3:50
